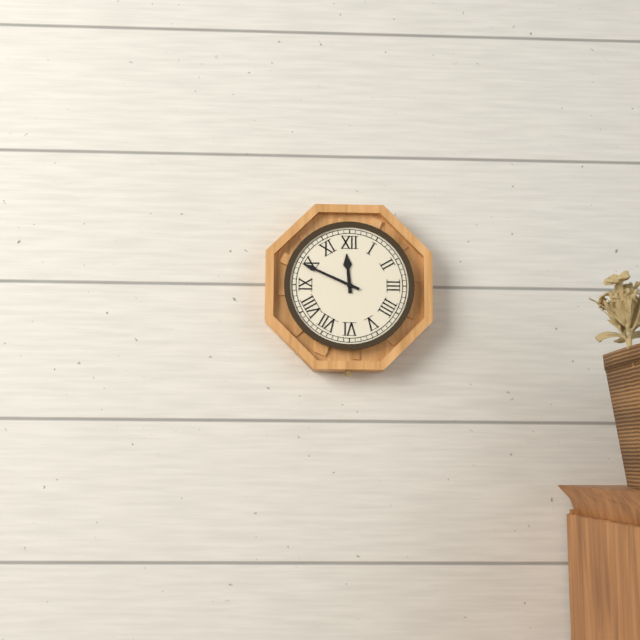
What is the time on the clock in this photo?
11:49
